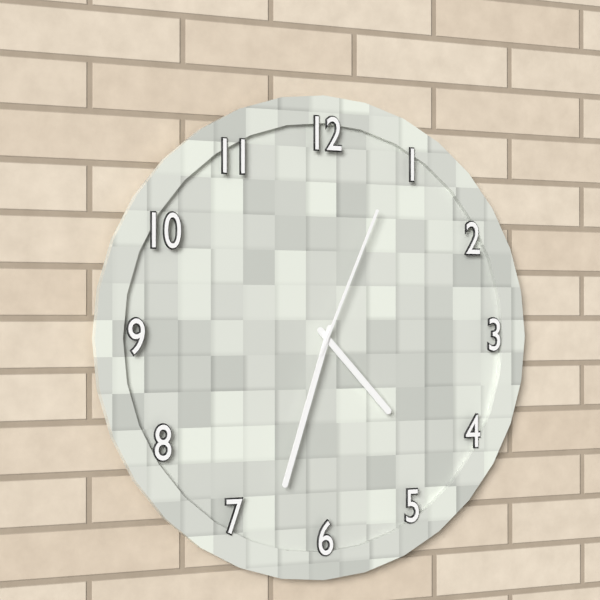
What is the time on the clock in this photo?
4:33:04
